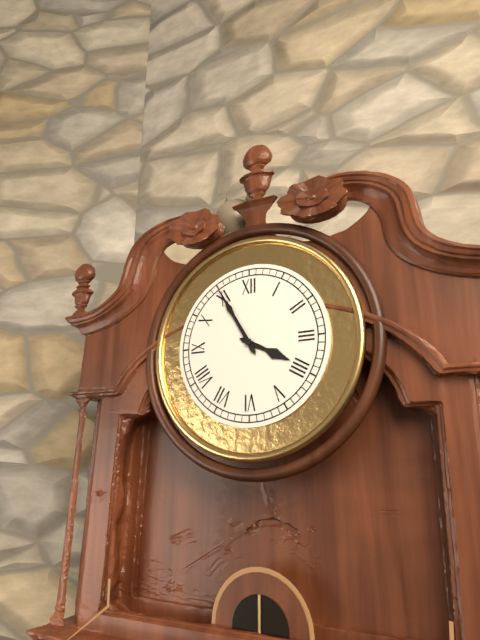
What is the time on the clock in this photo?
3:55
